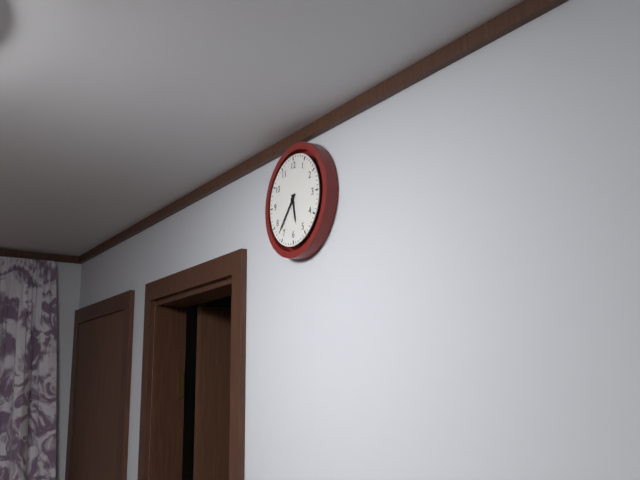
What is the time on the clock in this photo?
5:37
